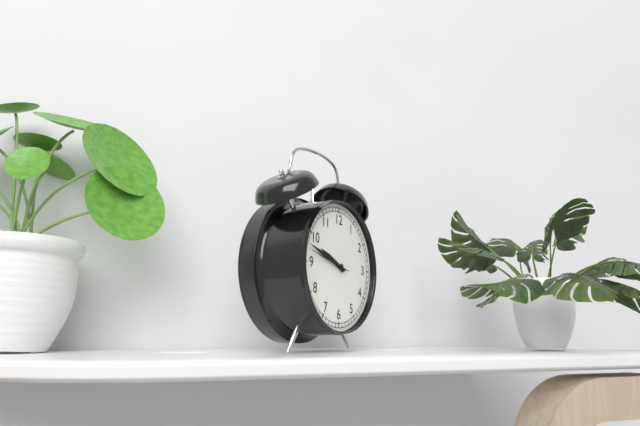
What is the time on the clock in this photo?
9:48
